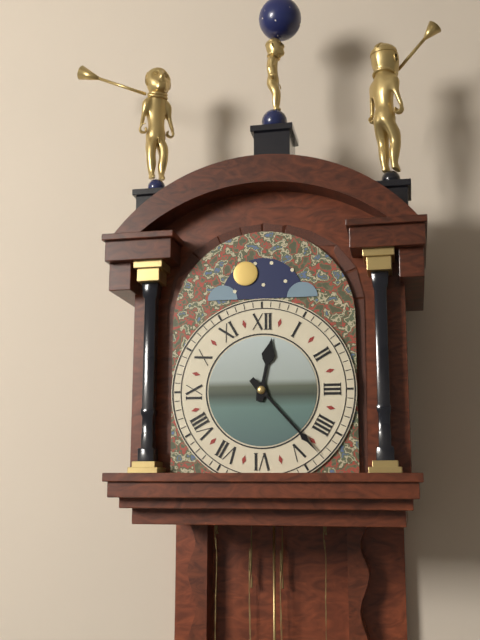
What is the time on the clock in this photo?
12:23
